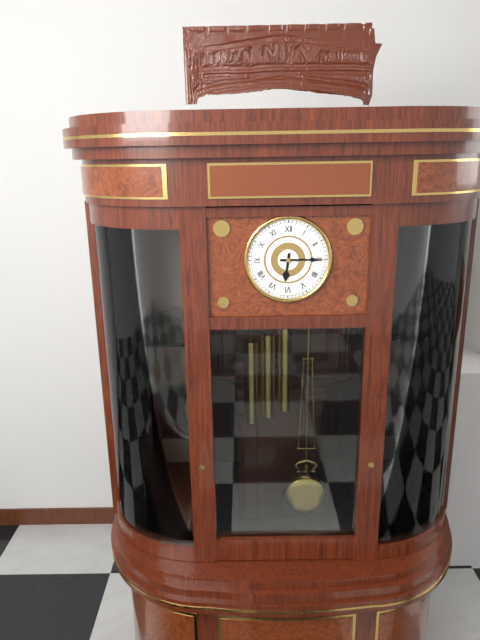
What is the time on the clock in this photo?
6:15
